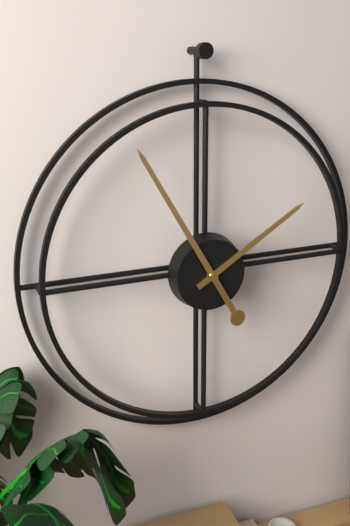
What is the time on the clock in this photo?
1:55
